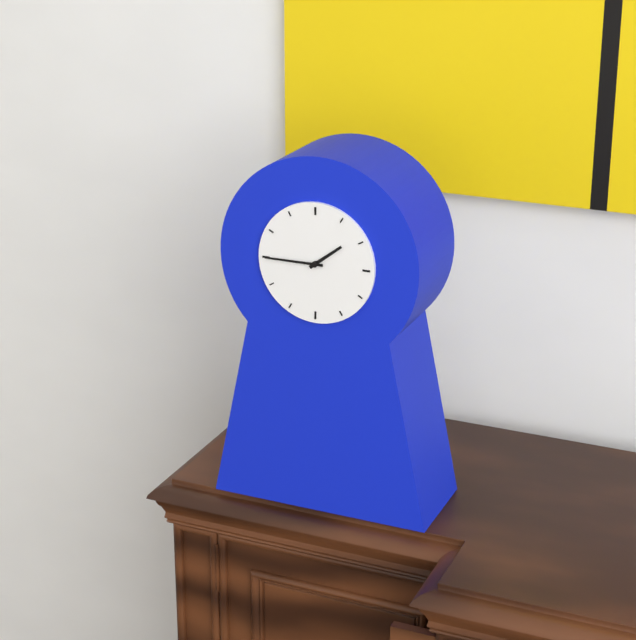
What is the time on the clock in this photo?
1:45
